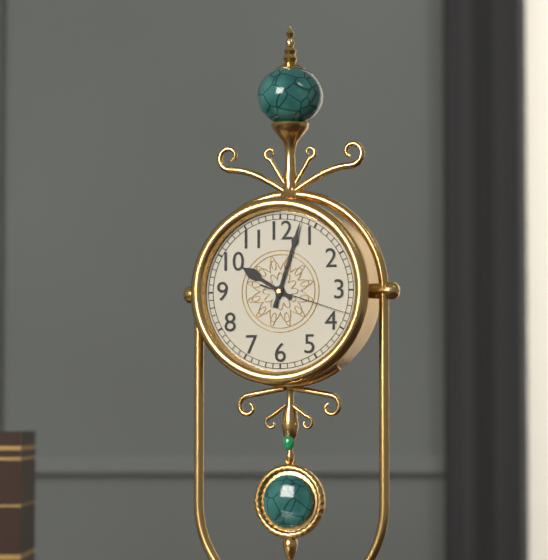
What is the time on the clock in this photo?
10:03:18
